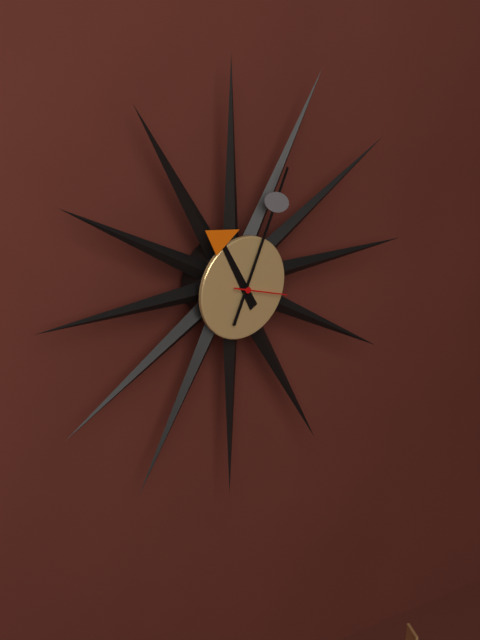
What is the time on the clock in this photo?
11:04:18
